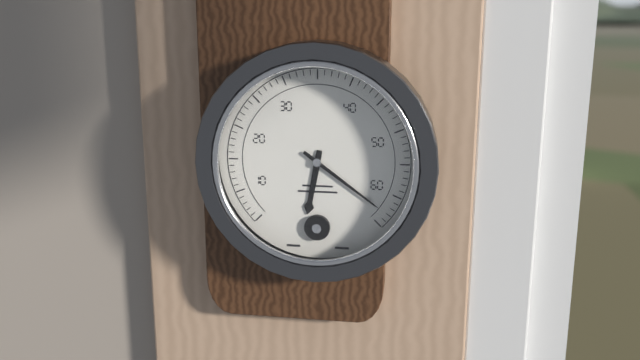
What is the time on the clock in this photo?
6:21
